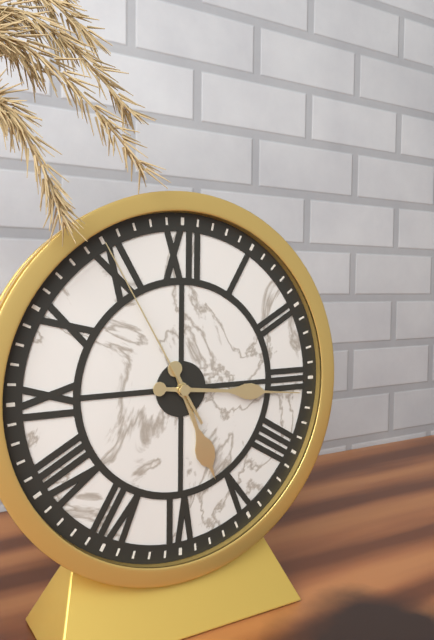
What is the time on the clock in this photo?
5:16:55
